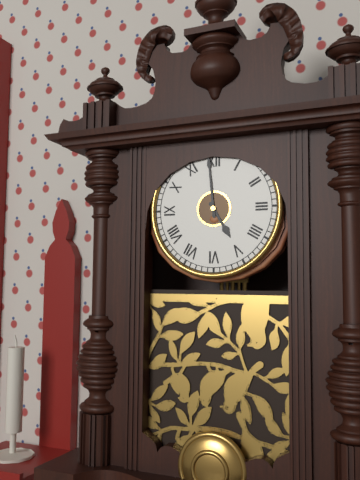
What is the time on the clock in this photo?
4:59
